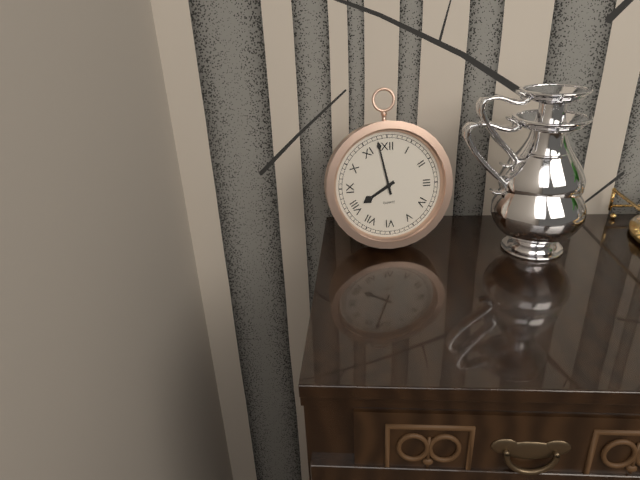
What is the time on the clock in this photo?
7:58
